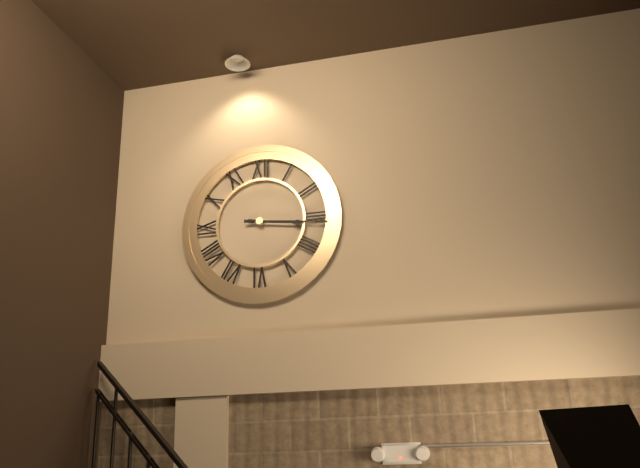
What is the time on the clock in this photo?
3:16
